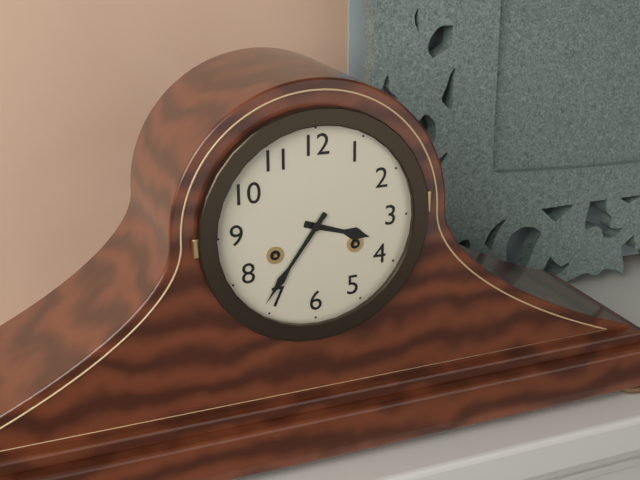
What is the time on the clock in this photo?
3:36
